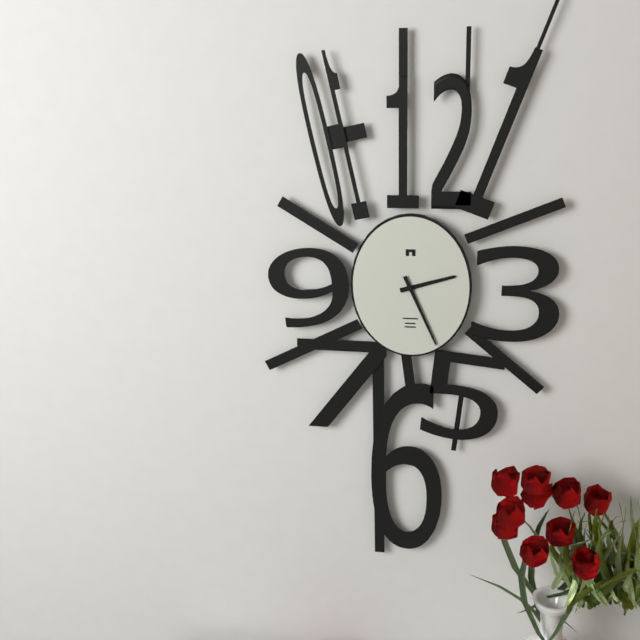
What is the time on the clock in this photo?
2:26
